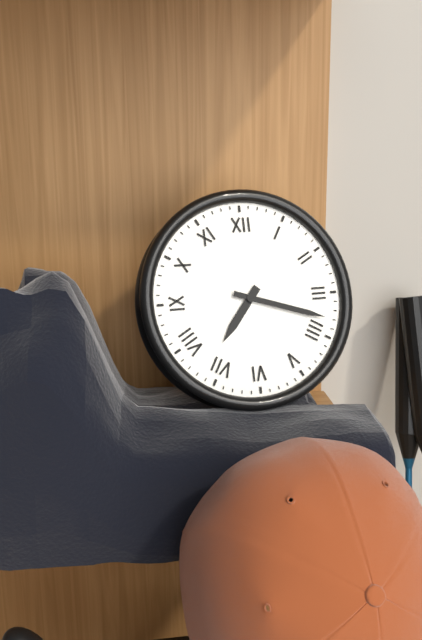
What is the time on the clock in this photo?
7:18
